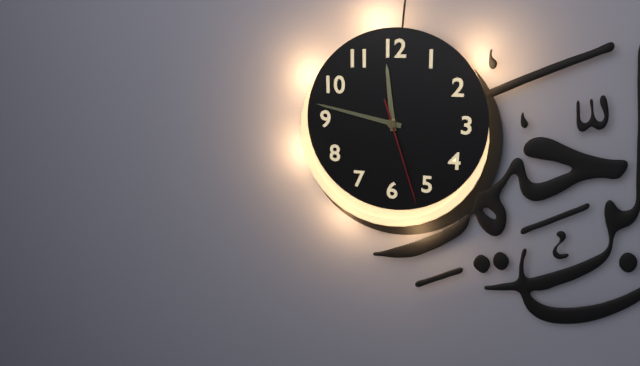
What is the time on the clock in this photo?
11:47:27
